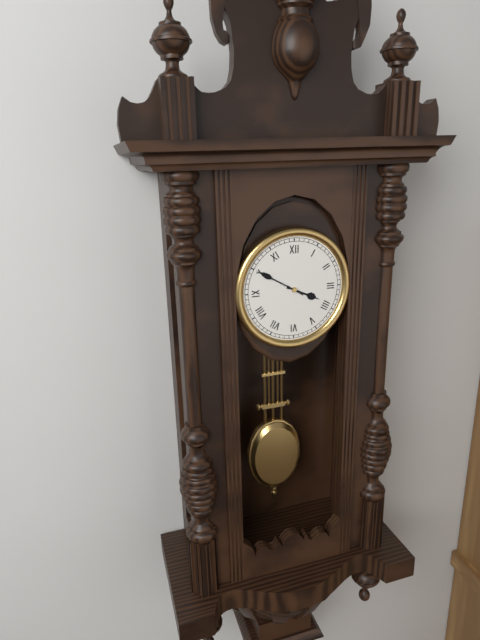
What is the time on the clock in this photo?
3:50
